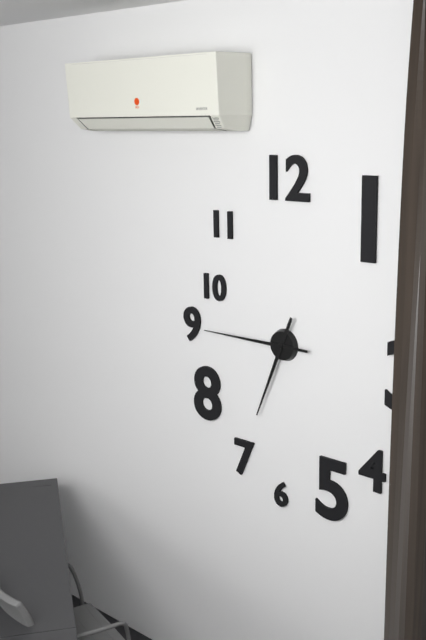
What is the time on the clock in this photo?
6:45
